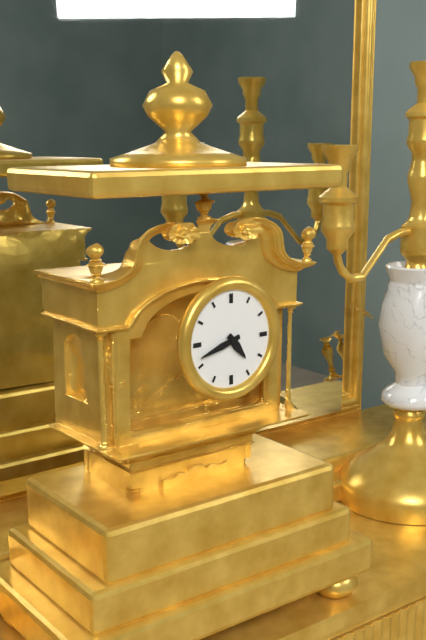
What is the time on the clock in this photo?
4:42
